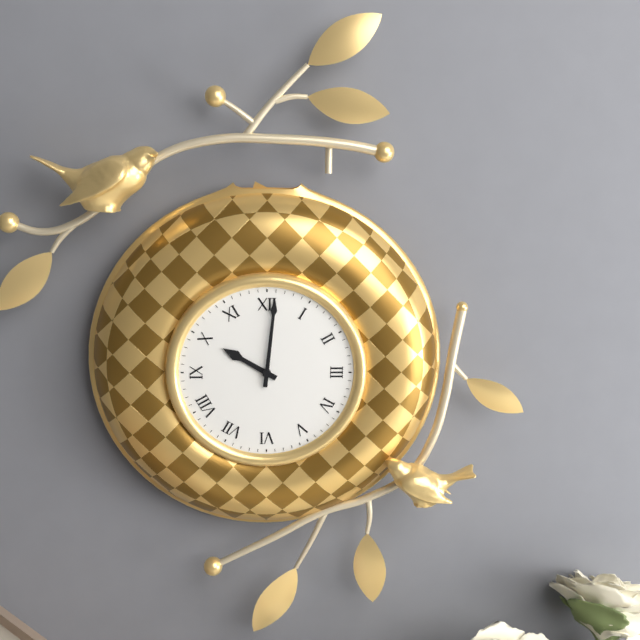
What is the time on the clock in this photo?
10:01
